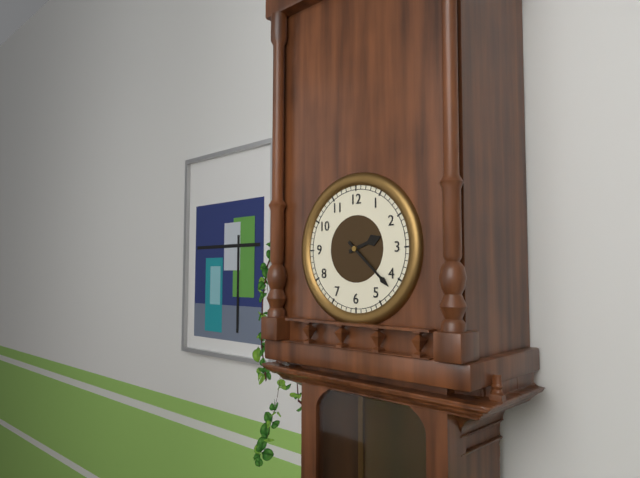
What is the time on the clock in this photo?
2:22
